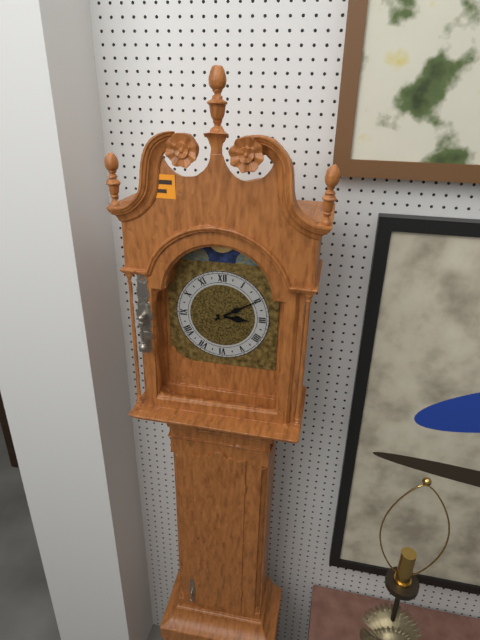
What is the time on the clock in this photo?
3:10
